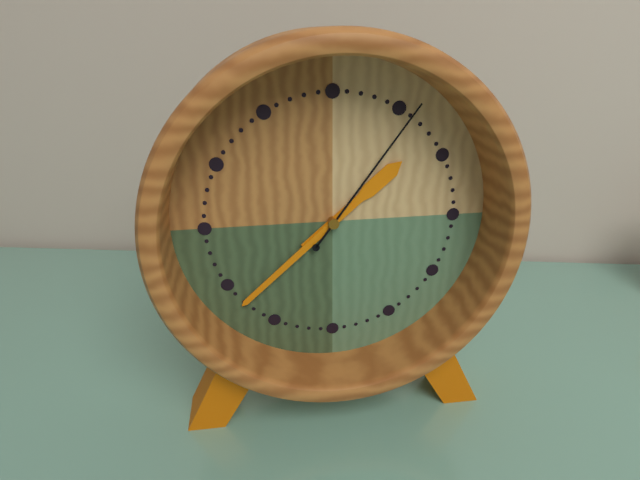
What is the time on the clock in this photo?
1:38:06
